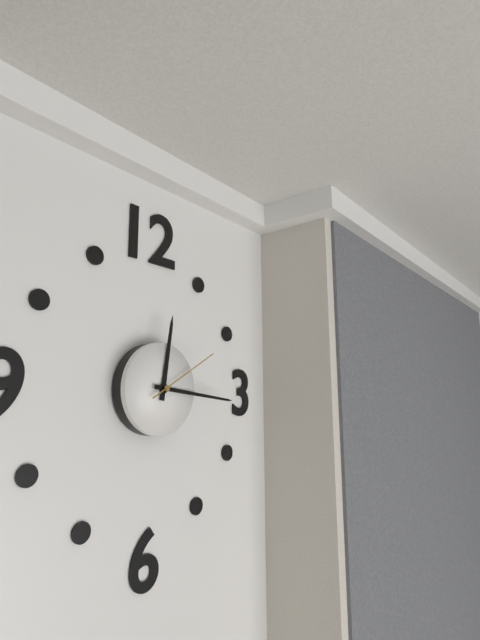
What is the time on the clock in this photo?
12:16:10
